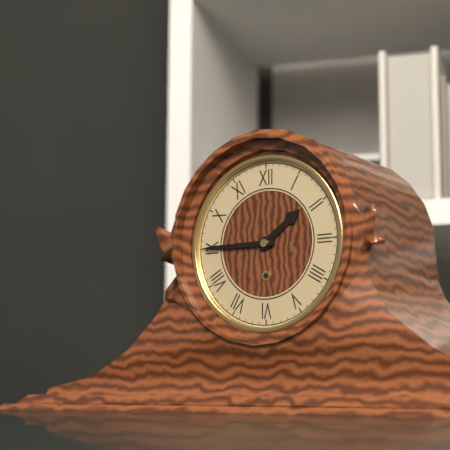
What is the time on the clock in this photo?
1:45
